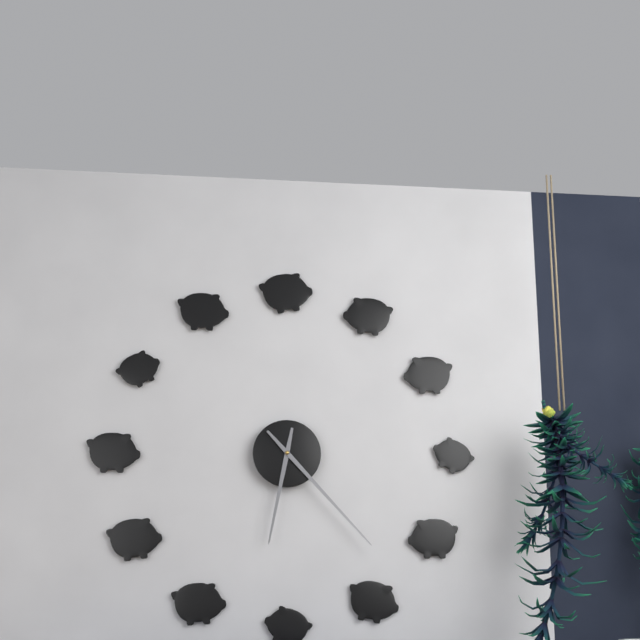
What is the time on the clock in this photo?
6:23
